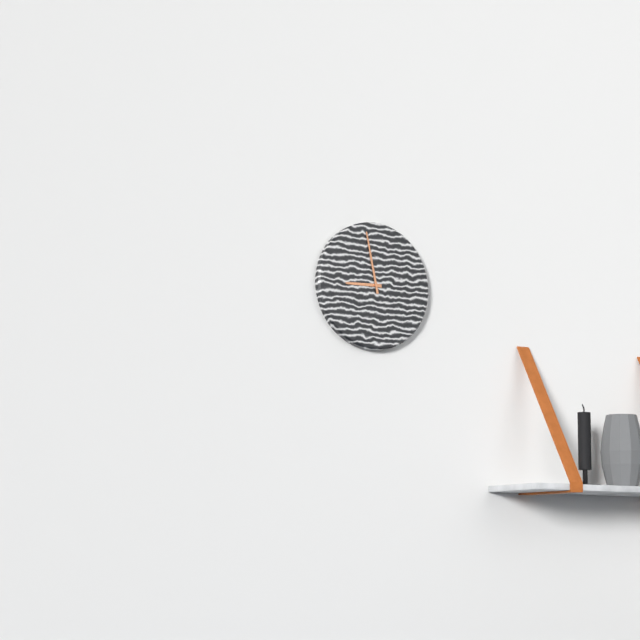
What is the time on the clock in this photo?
8:58
